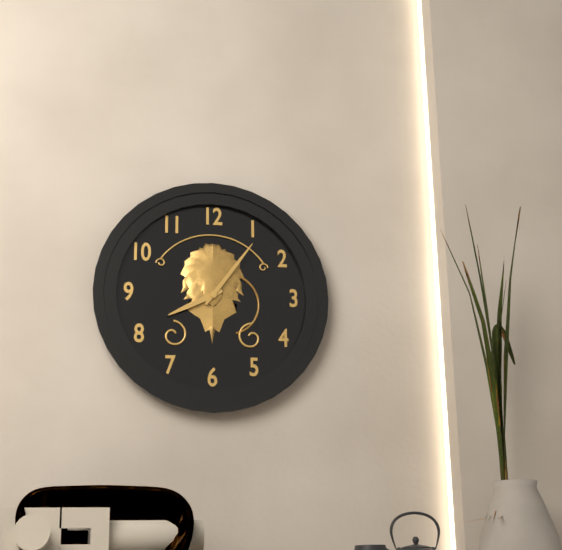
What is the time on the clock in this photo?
8:06
